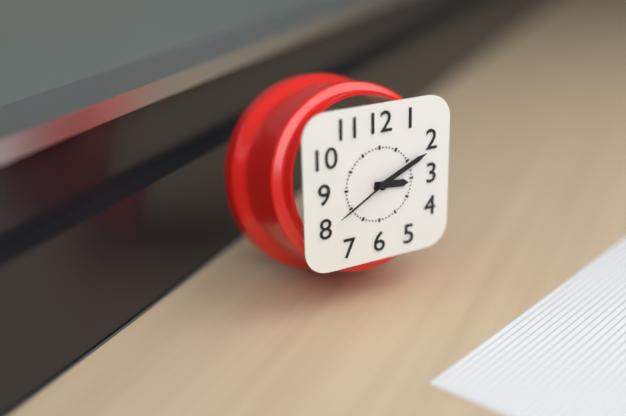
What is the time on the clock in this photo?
3:11:40
